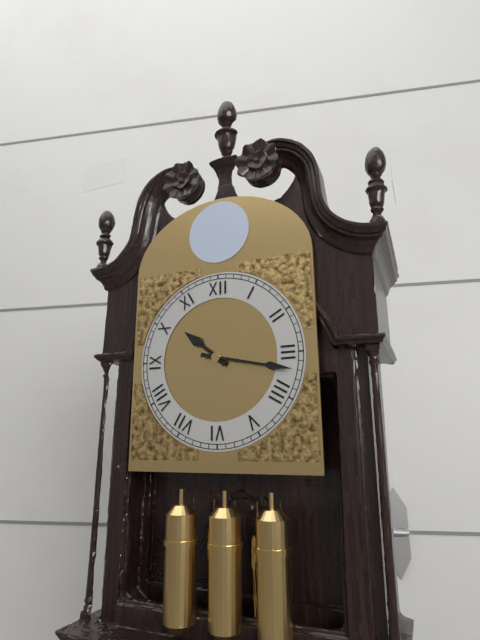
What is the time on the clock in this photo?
10:17
